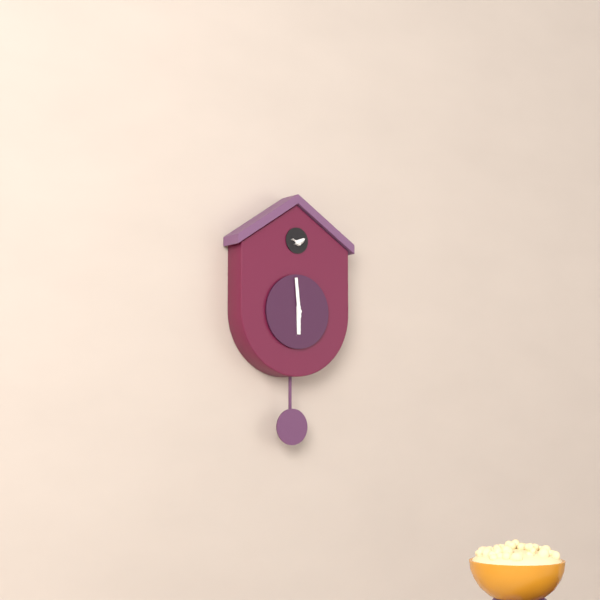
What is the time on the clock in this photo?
5:59
